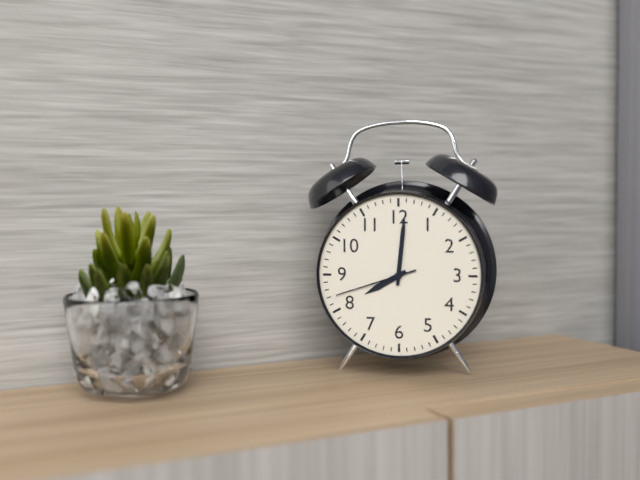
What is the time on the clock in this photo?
8:01:42
